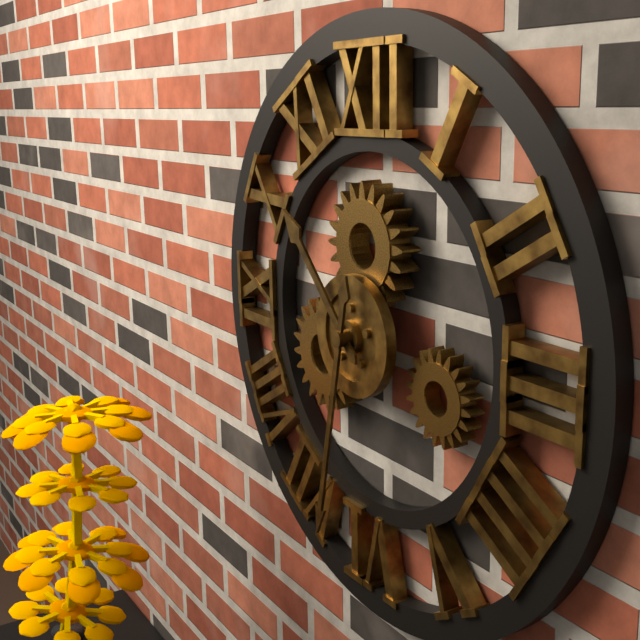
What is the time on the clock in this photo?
10:32
